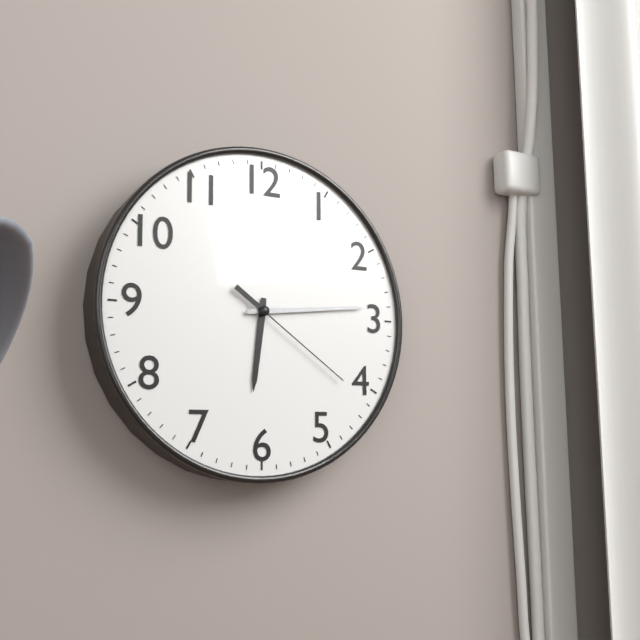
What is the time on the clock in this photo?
6:14:21
